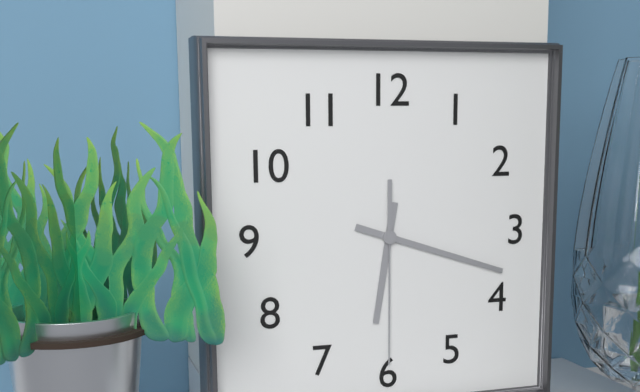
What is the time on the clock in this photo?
6:18:30
